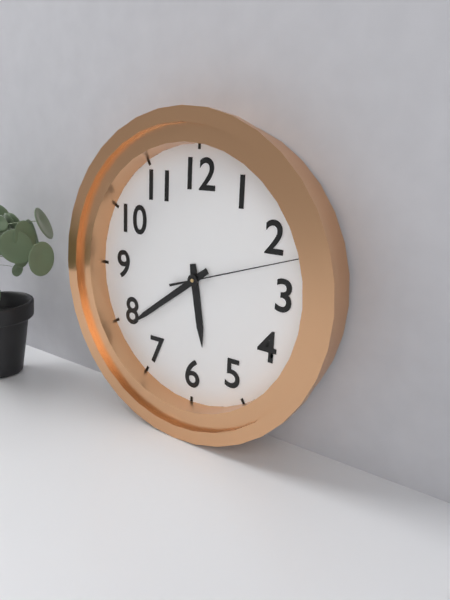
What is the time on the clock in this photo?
5:39:12
